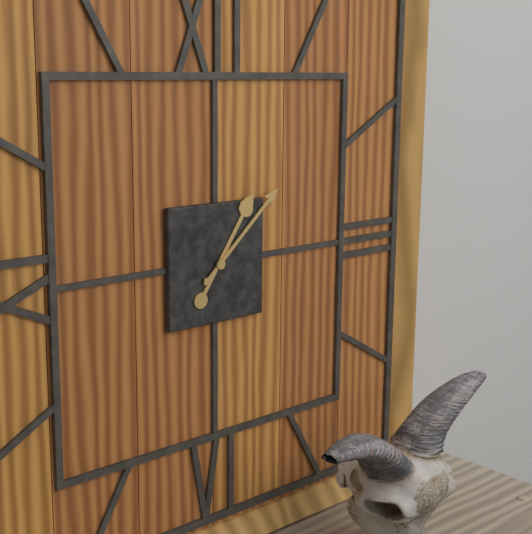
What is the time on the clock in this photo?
1:08
